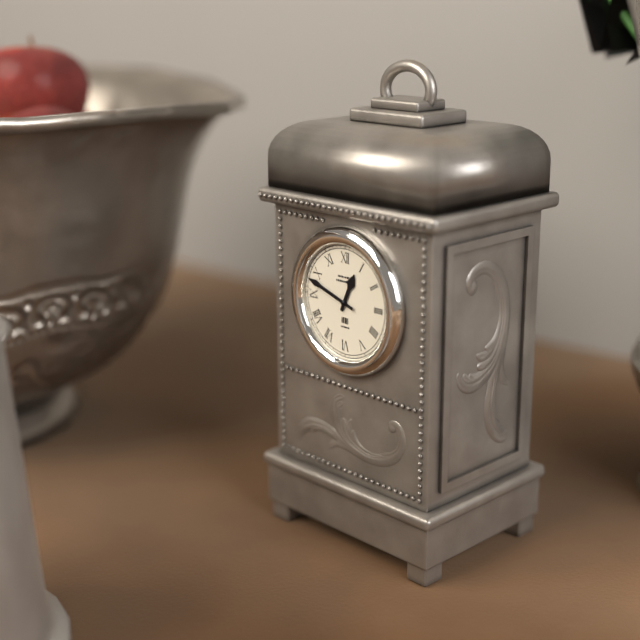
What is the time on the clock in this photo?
12:48
